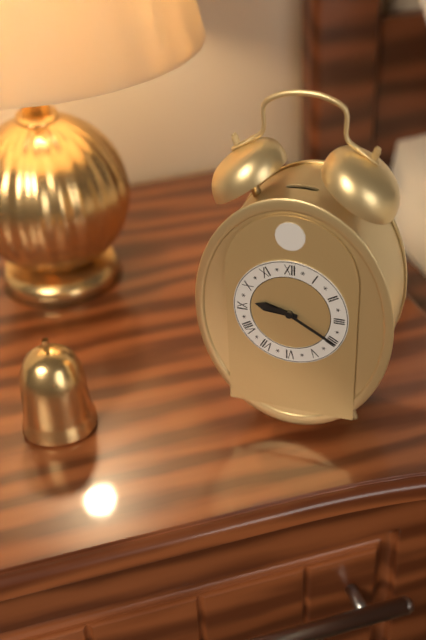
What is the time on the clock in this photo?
9:20
